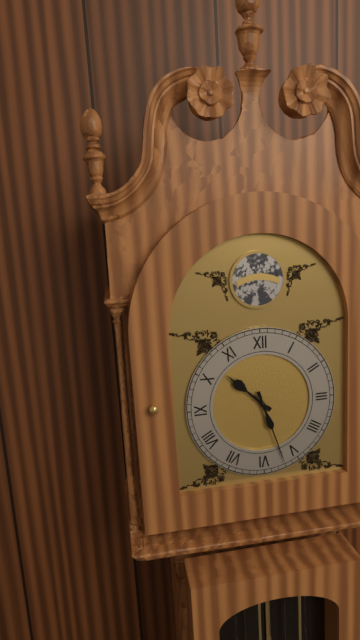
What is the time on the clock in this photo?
10:27
